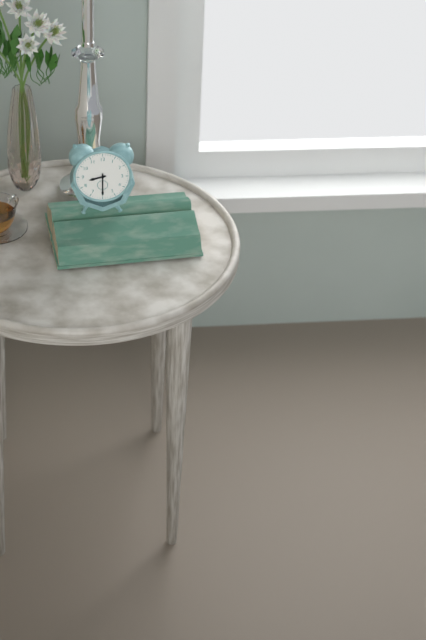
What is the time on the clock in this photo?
8:30
